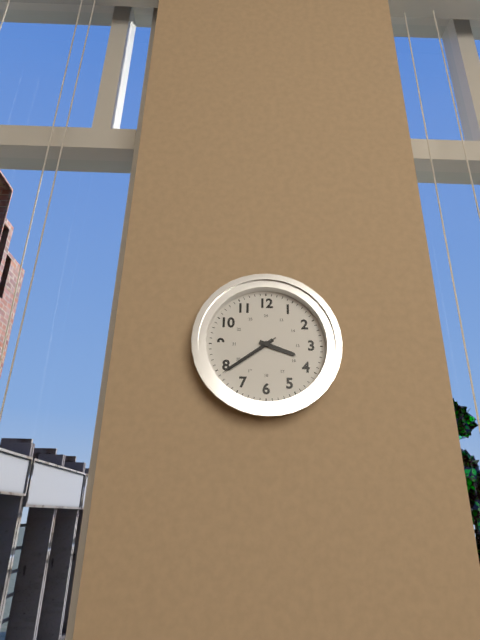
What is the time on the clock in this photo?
3:39:39
